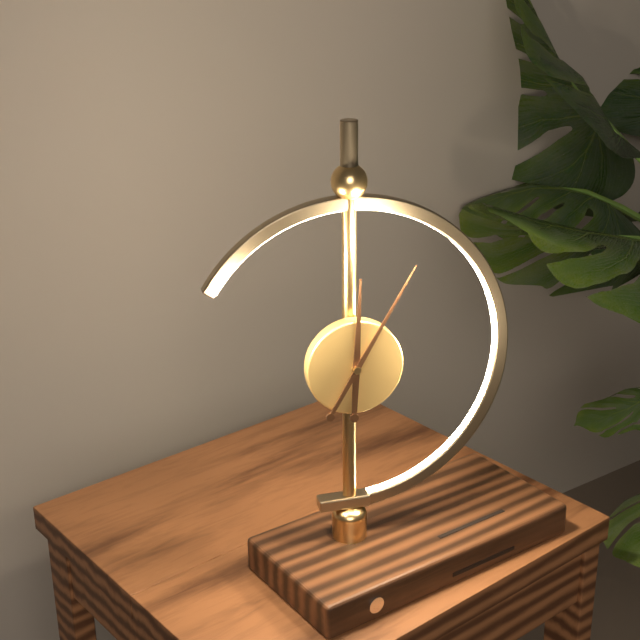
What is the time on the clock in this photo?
12:05
